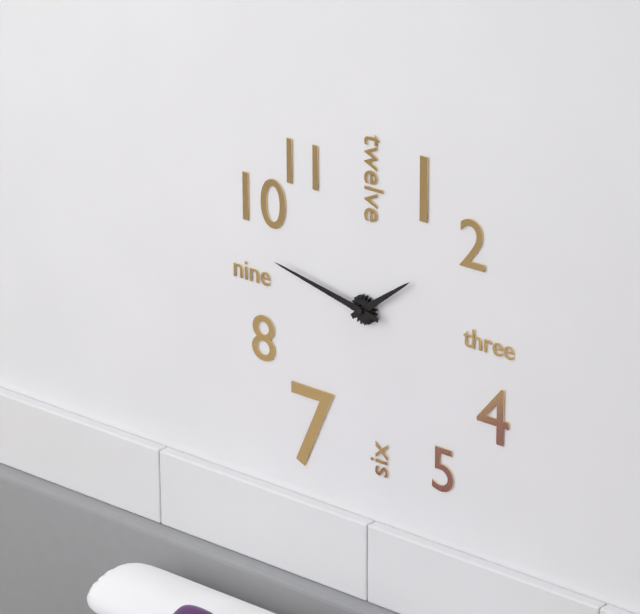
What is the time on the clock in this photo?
1:47
